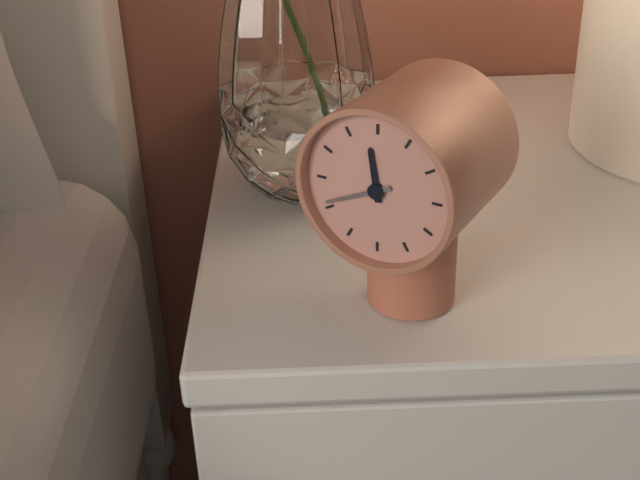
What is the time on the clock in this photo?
11:41
